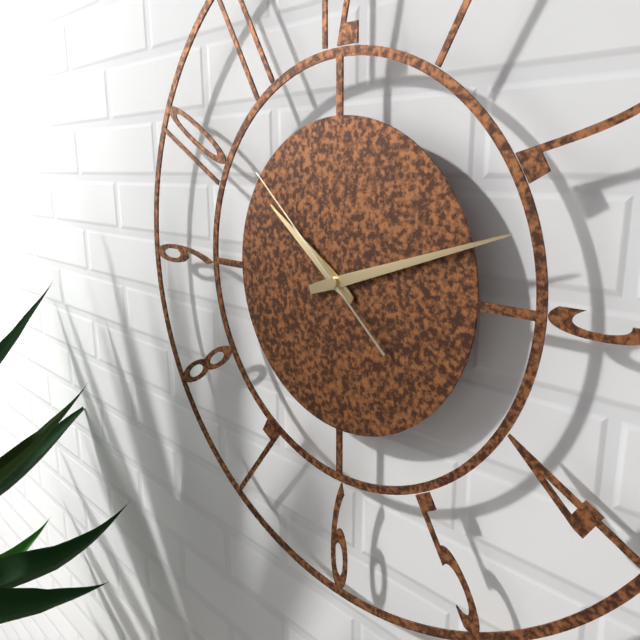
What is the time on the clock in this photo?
10:12:52
